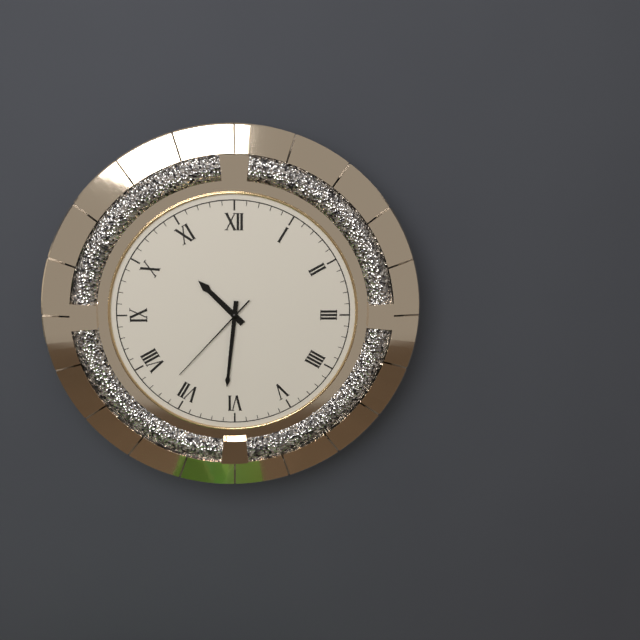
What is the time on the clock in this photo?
10:31:37
